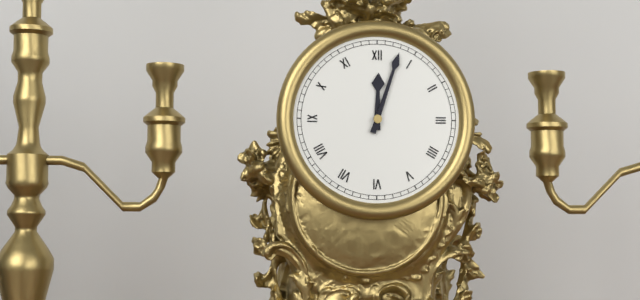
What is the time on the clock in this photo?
12:03
